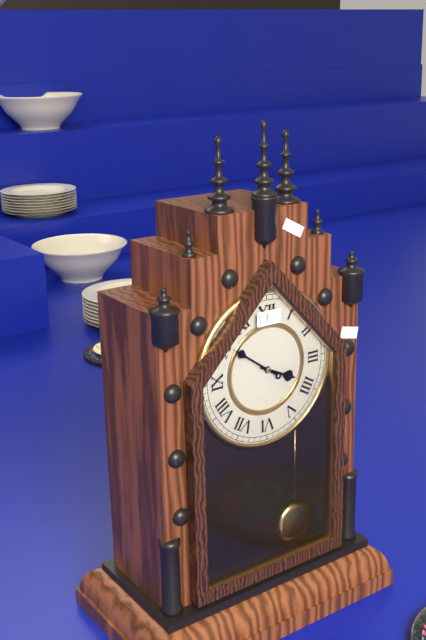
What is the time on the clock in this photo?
3:51
